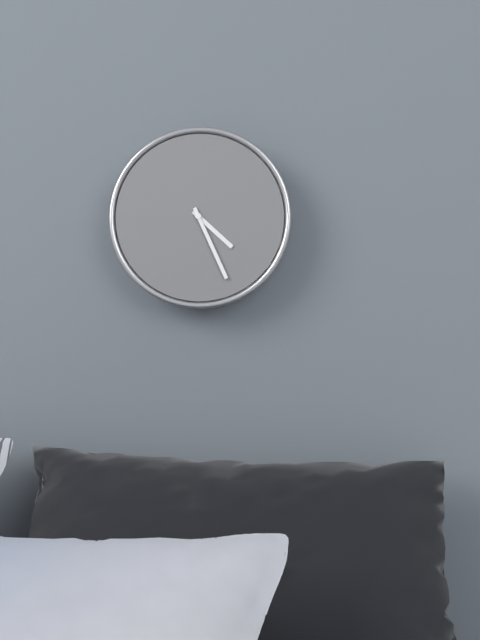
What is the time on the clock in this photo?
4:26
